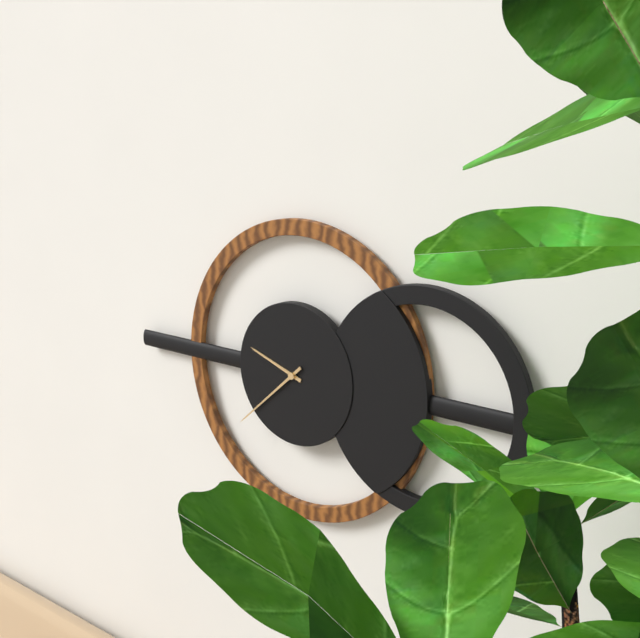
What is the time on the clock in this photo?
9:38
